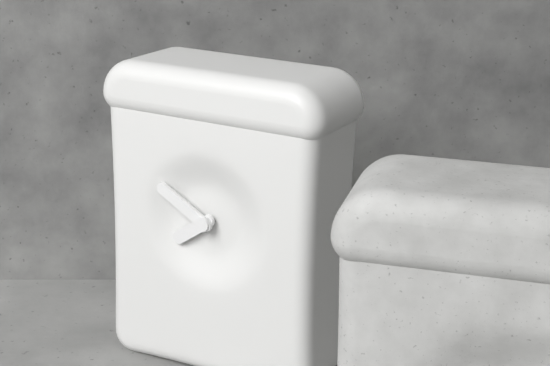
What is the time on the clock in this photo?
7:50
